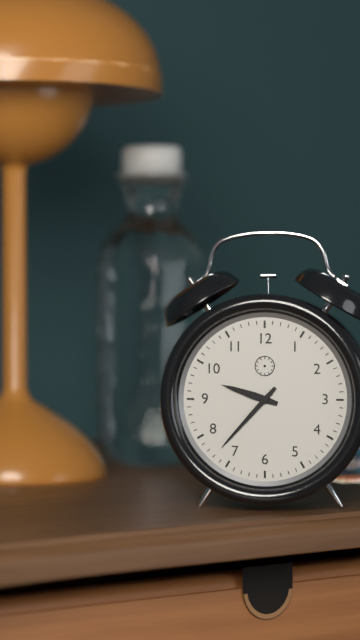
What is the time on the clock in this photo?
9:37
